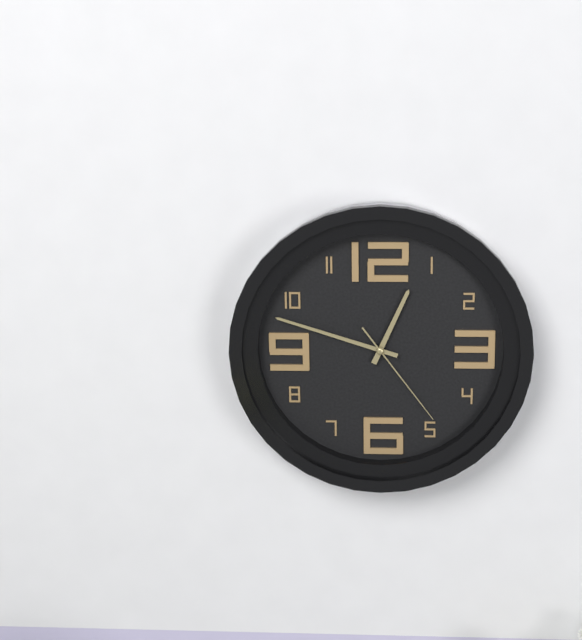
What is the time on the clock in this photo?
12:48:24
